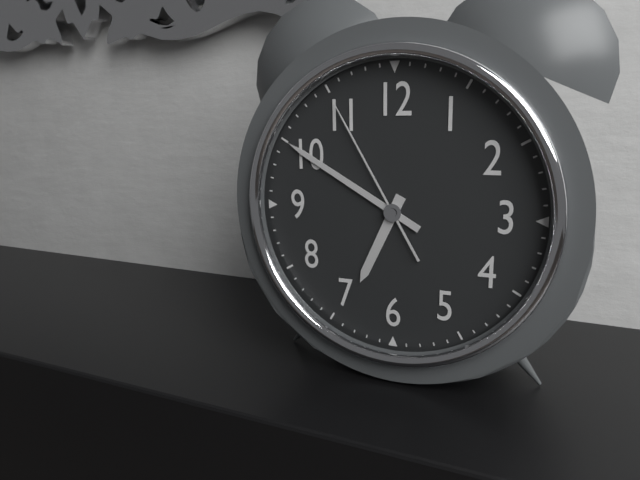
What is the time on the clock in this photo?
6:50:55
